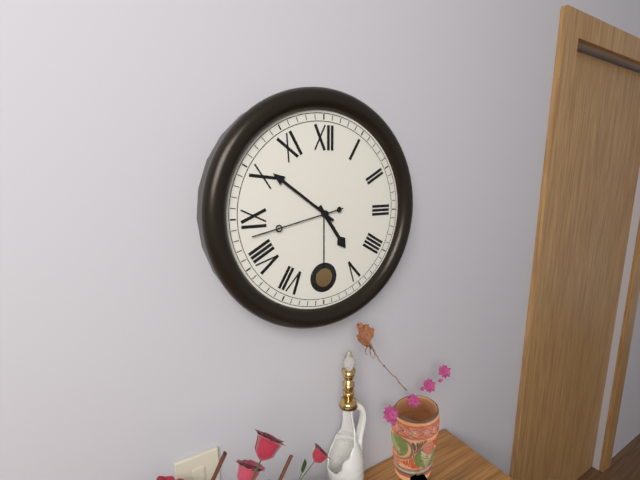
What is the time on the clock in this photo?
4:51:43
